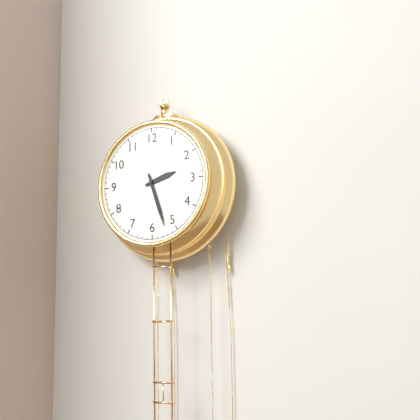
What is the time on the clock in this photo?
2:27
